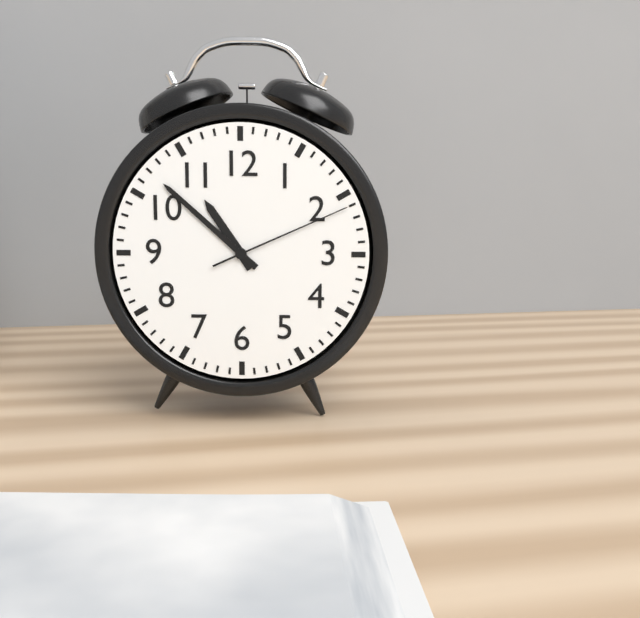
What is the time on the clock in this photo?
10:52:11
